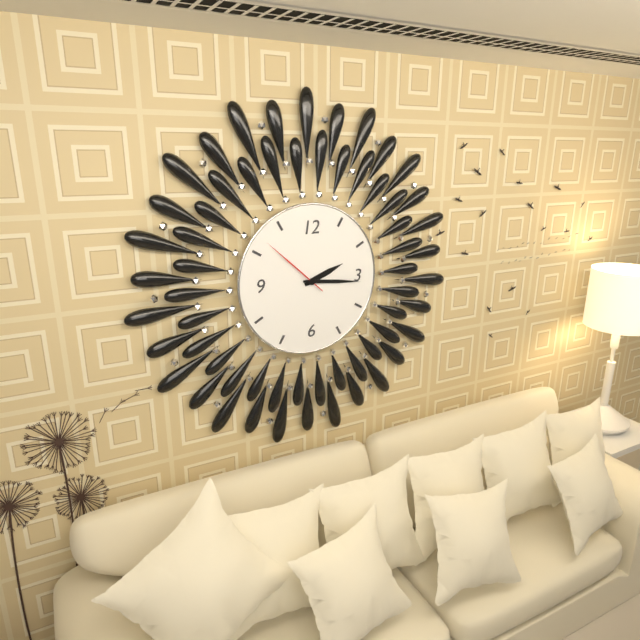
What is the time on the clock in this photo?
2:16:52
